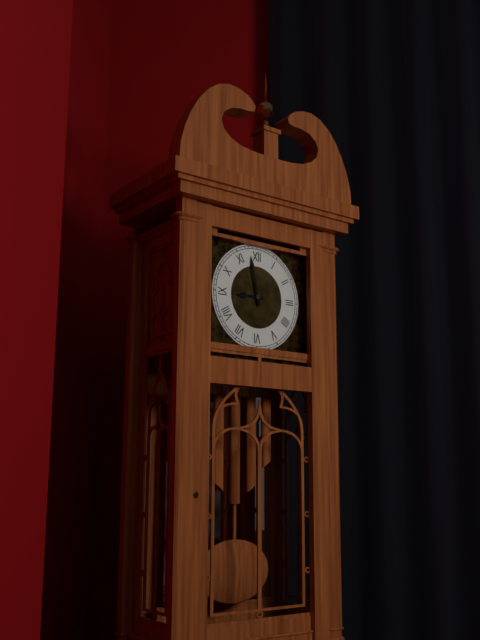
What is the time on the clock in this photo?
8:58
